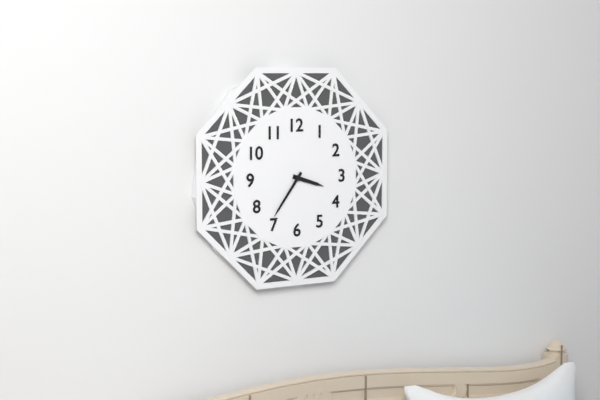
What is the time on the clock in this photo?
3:36
